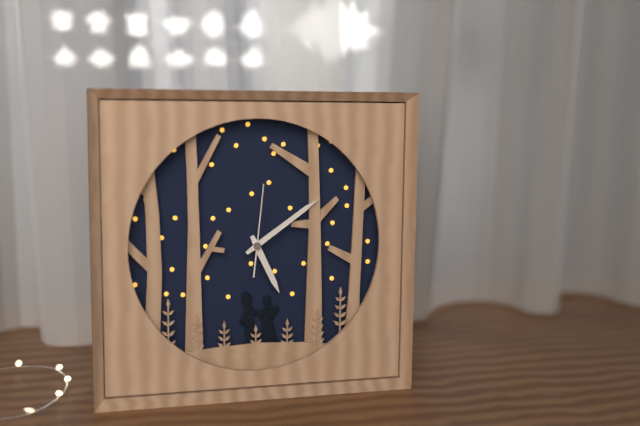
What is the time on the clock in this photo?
5:09:01
